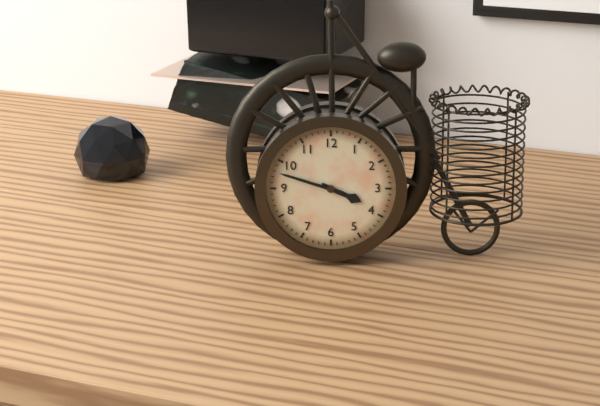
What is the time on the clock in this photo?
3:48
